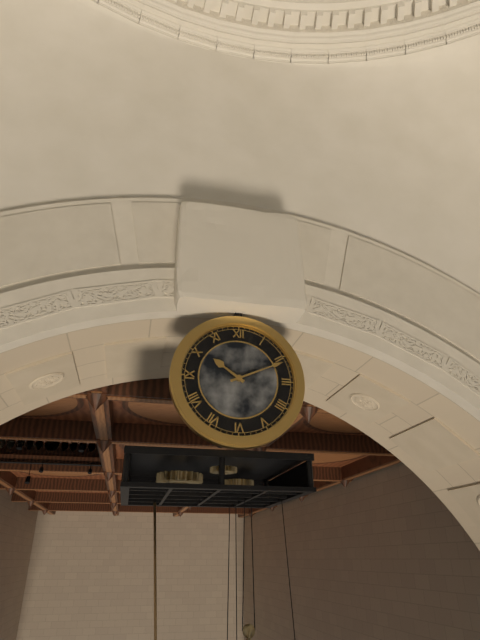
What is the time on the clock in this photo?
10:11
